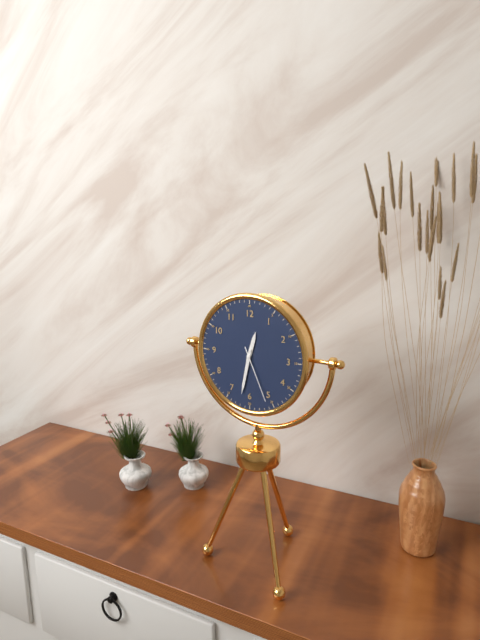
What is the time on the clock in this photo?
12:32:26
